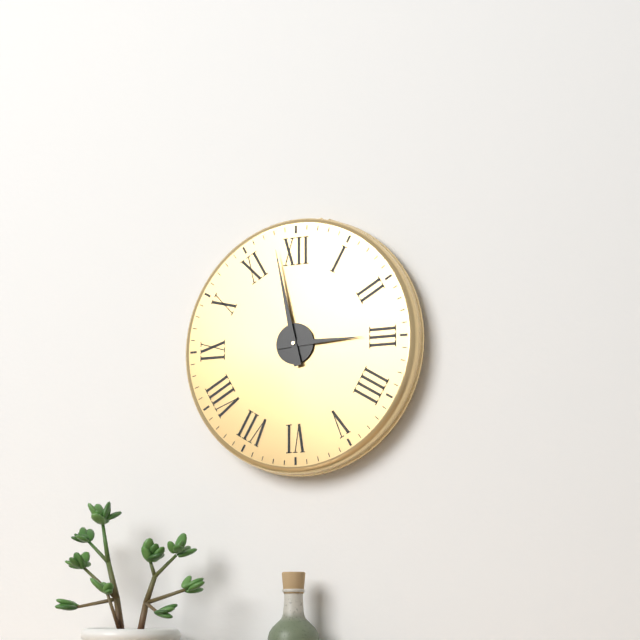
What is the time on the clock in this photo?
2:58
